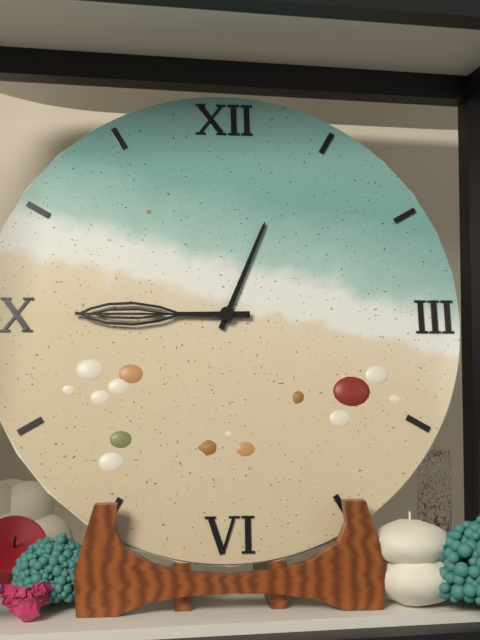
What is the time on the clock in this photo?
12:45
